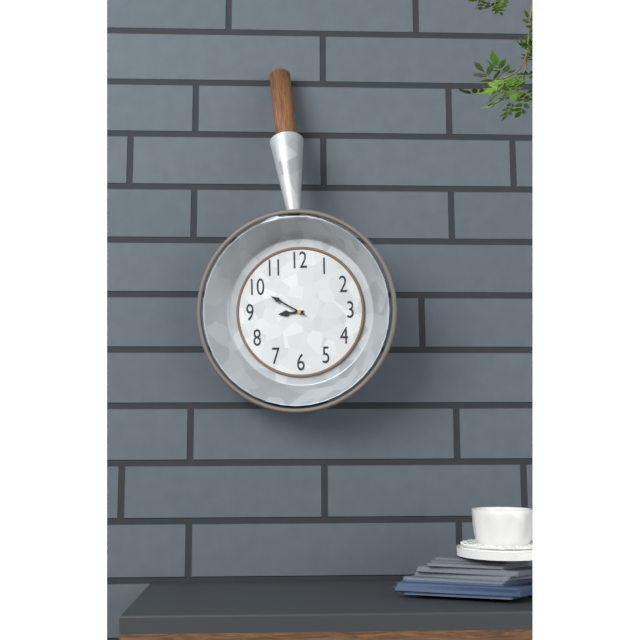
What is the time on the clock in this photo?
8:50
